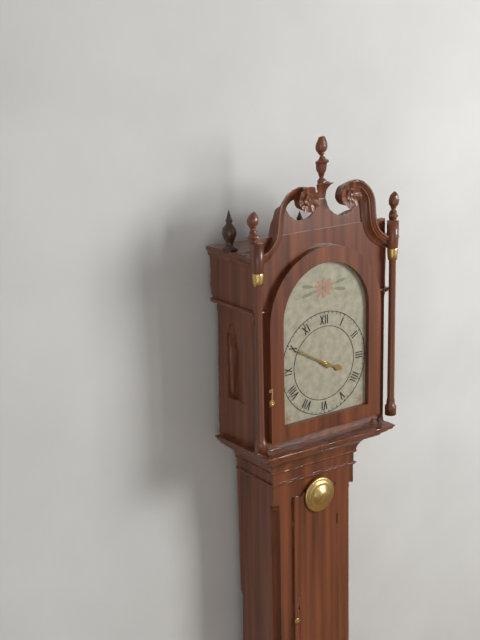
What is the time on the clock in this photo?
3:50
